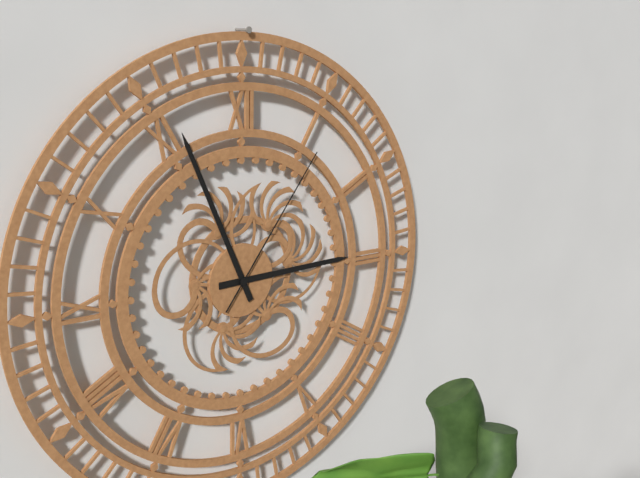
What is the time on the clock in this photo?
2:56:06
